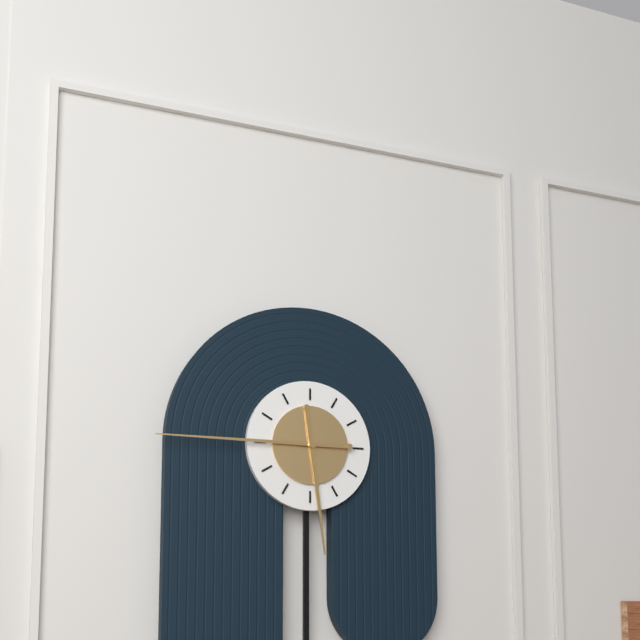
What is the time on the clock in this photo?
5:45
